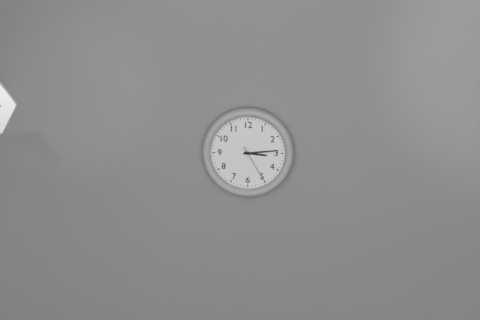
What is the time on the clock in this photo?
3:14
